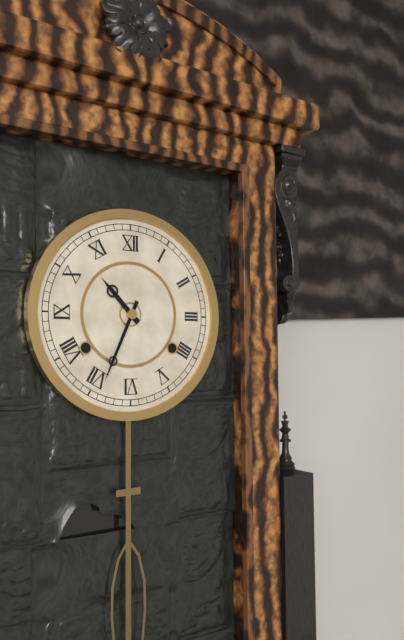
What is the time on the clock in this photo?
10:34
